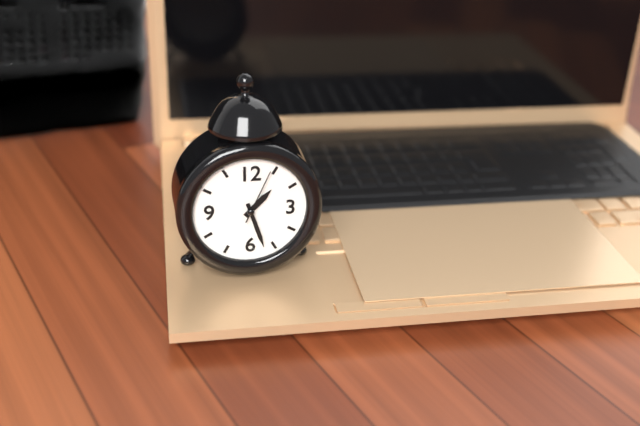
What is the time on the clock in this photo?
1:27:04
